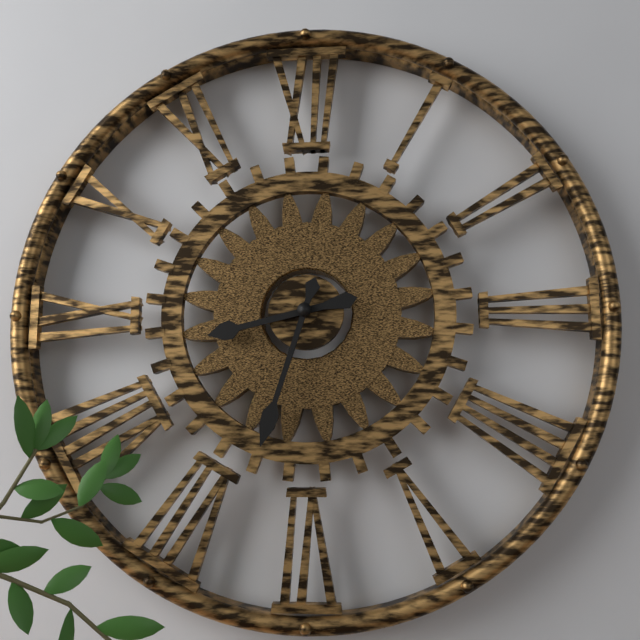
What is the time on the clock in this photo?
8:33
